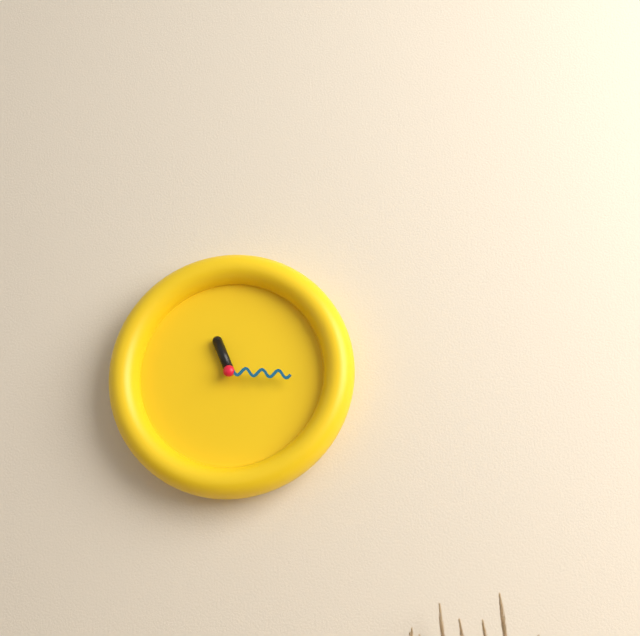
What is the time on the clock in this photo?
11:16
